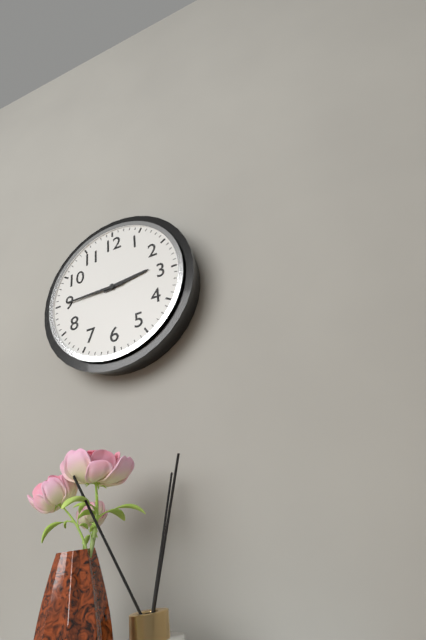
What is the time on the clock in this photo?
2:45
